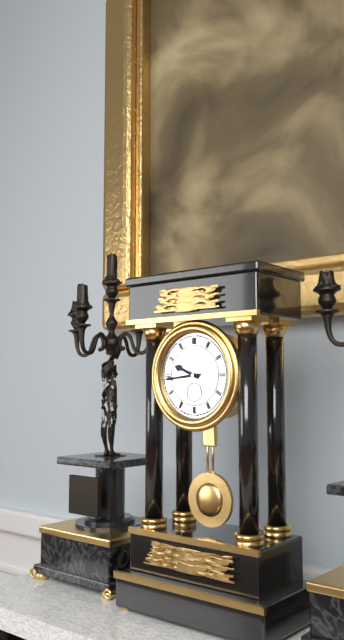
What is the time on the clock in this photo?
9:44
